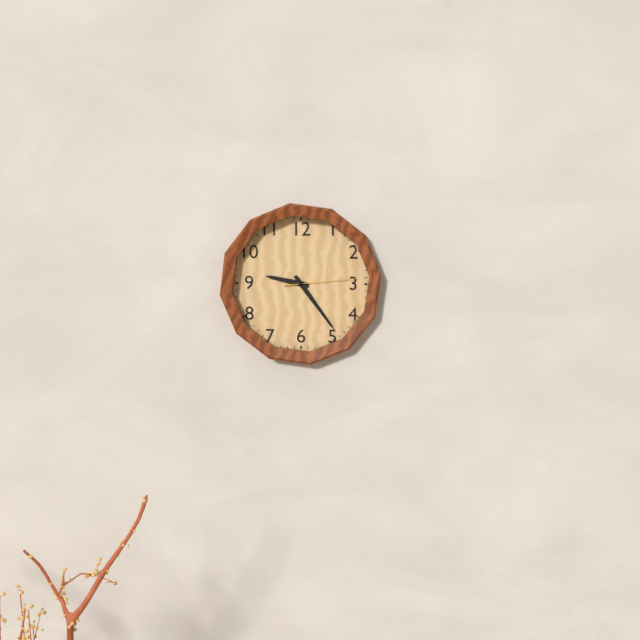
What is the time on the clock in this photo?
9:24:14
